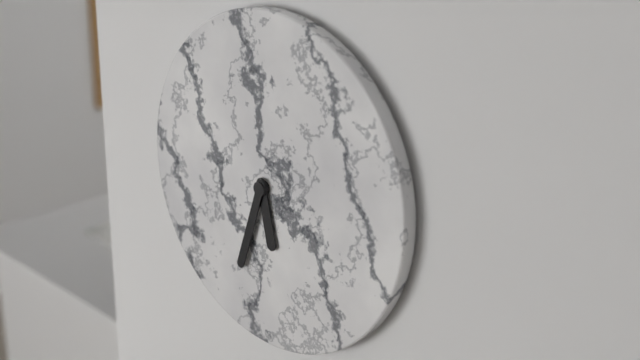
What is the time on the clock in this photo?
5:33
